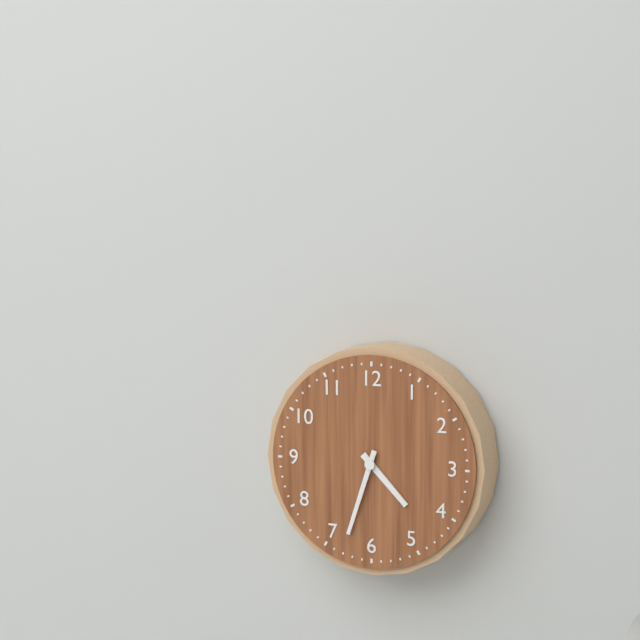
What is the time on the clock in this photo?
4:33
